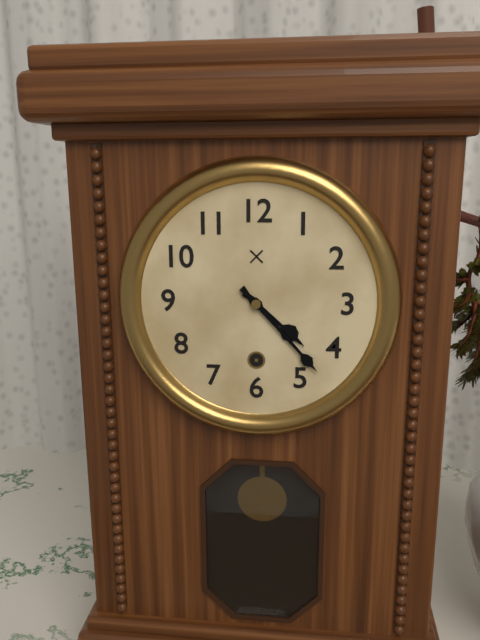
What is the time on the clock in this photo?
4:23
